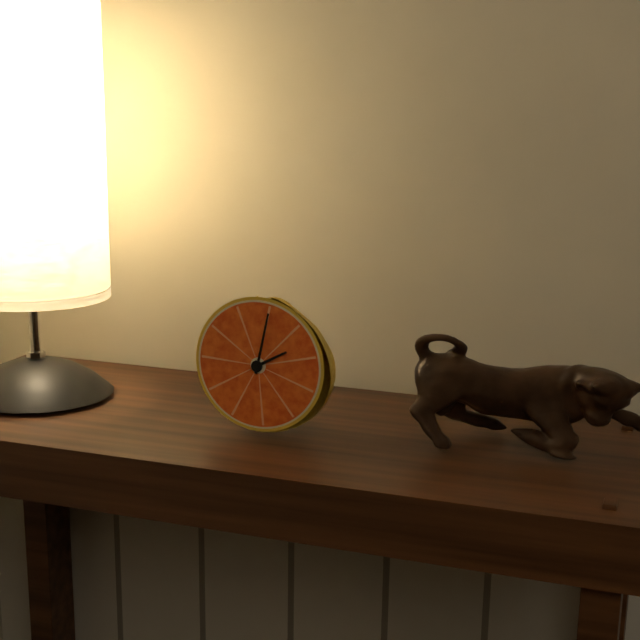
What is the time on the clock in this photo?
2:02
